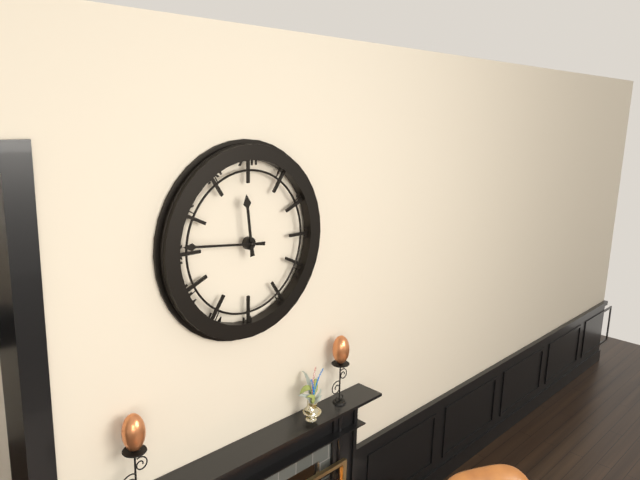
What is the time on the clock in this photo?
11:46
